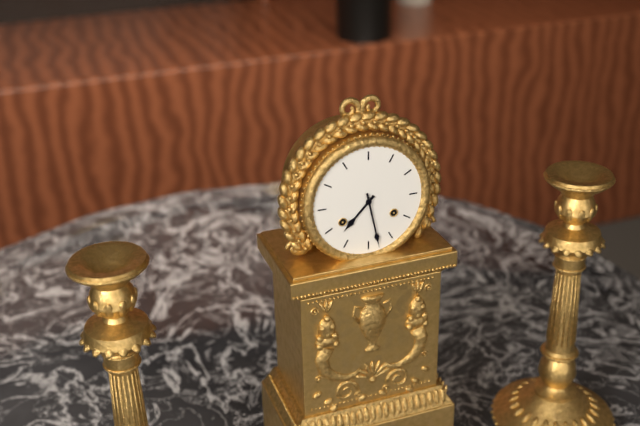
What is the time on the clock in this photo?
7:28
